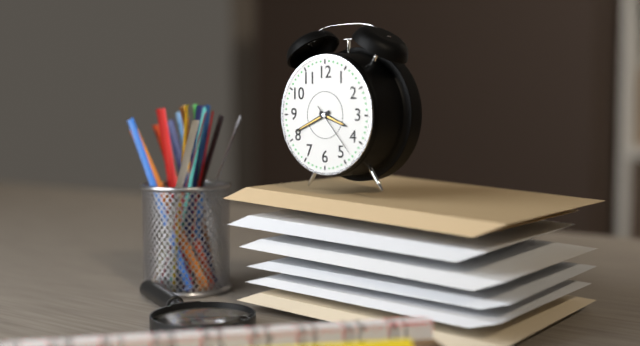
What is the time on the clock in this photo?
3:41
